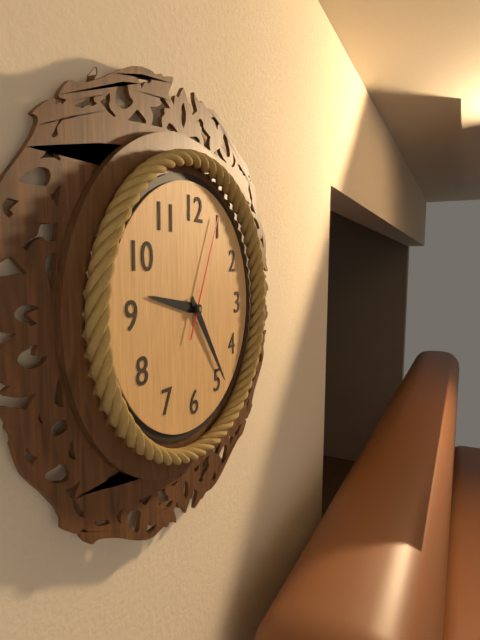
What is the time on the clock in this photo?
9:24:04
